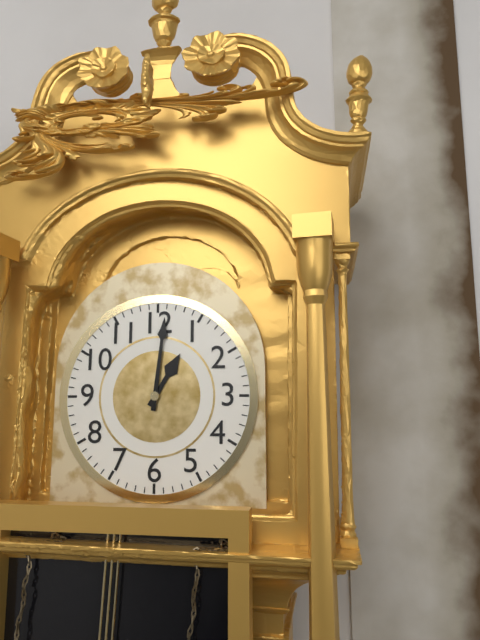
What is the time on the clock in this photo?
1:01
